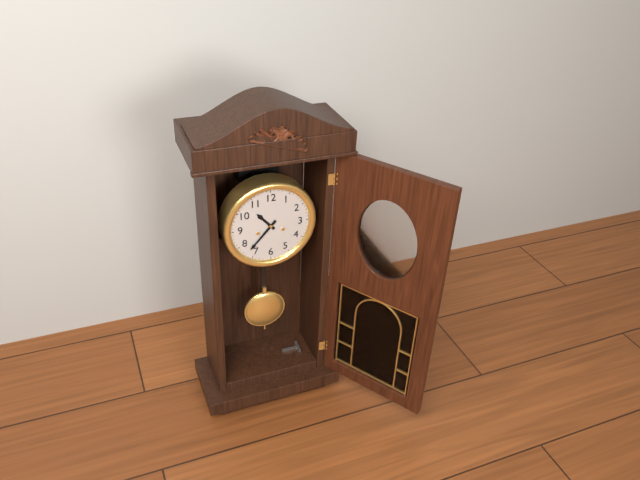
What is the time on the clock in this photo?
10:37
